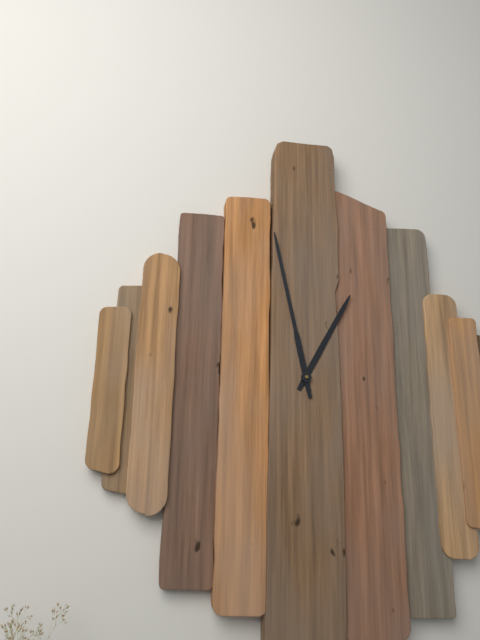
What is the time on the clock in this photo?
12:58
